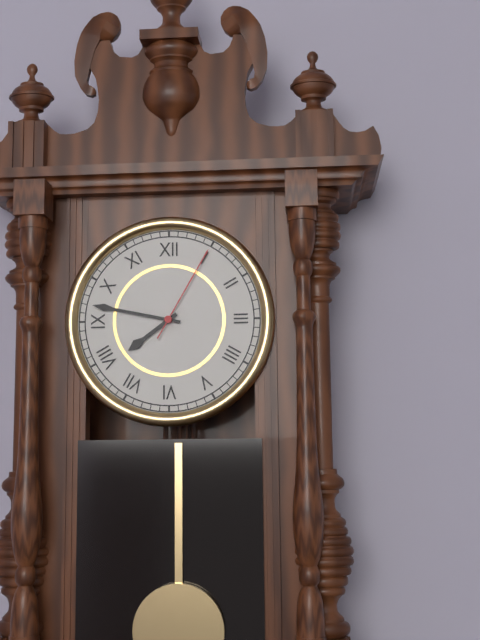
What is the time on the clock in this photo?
7:47:05
